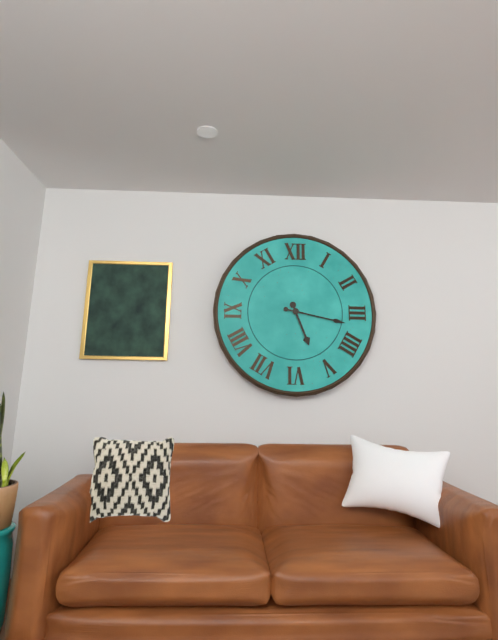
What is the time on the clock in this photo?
5:17
